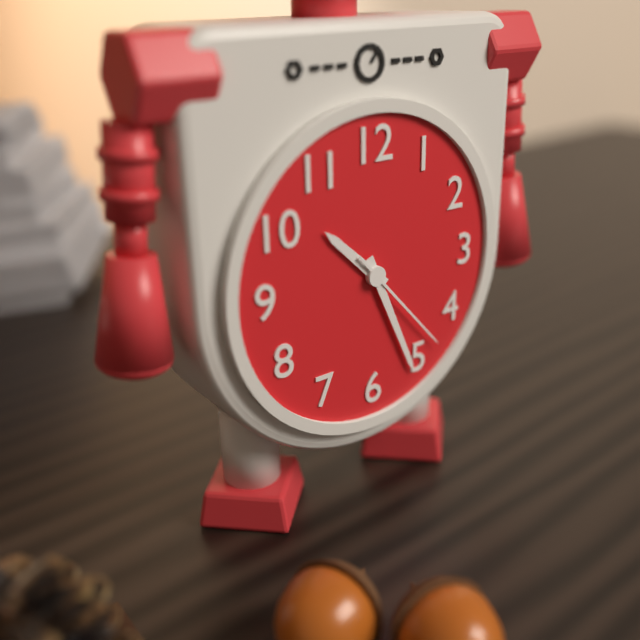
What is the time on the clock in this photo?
10:26:23
